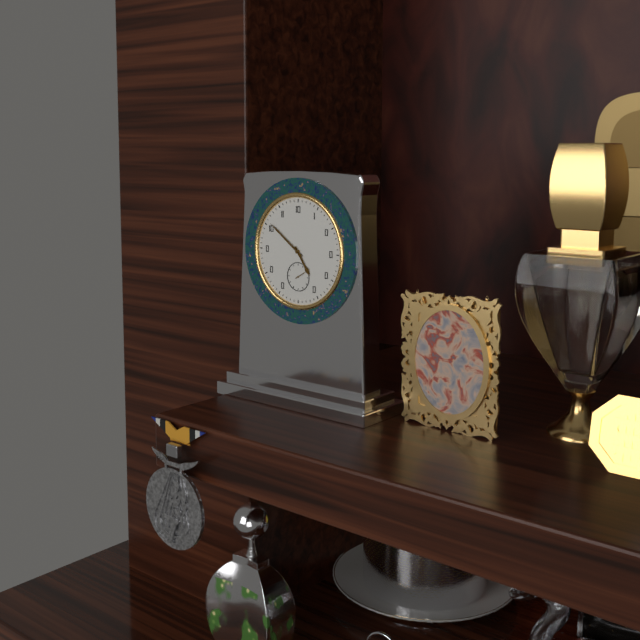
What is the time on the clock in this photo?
4:51
